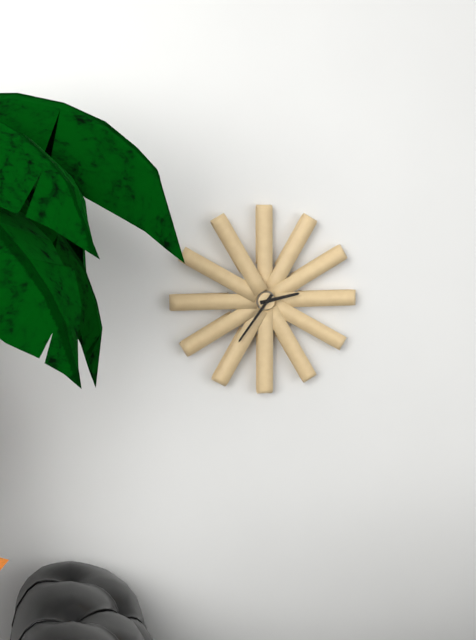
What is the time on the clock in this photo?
2:36
